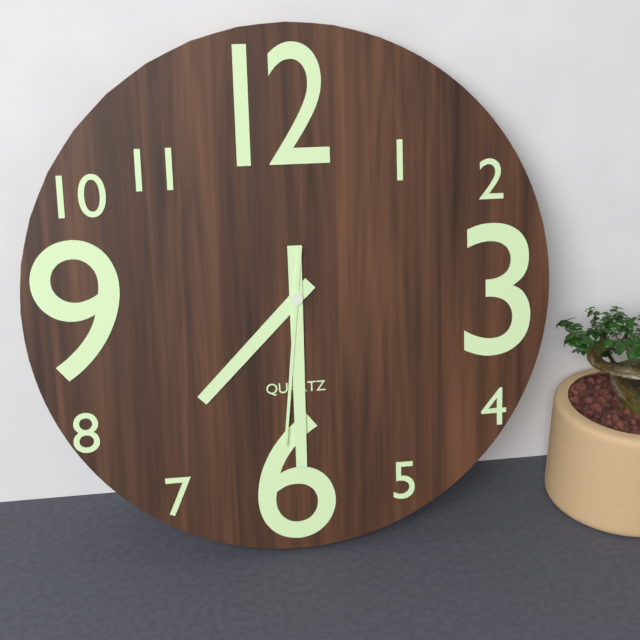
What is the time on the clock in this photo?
7:30:31
